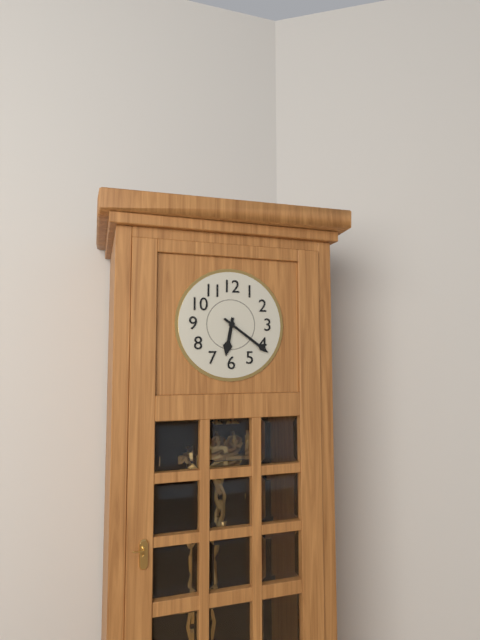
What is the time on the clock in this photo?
6:21
